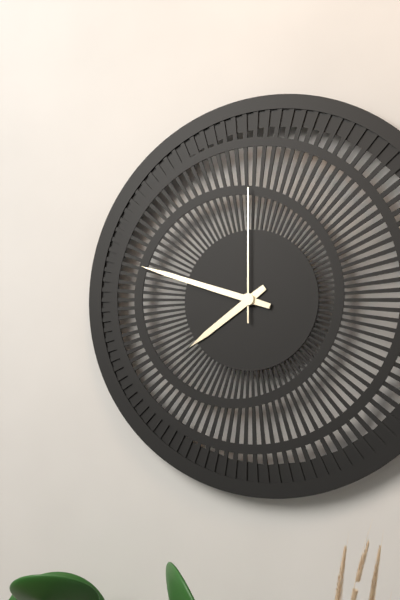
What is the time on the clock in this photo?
7:48:00
